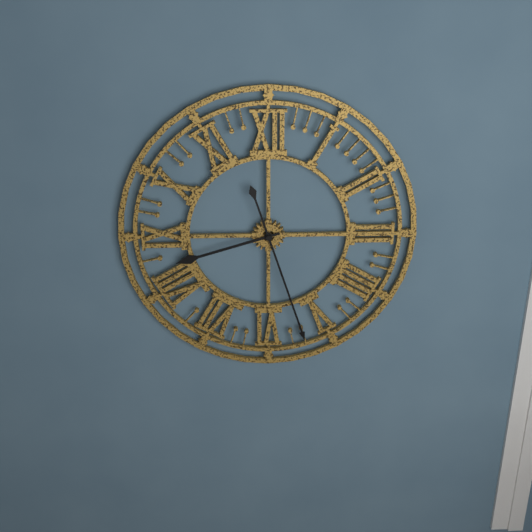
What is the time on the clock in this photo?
8:27
